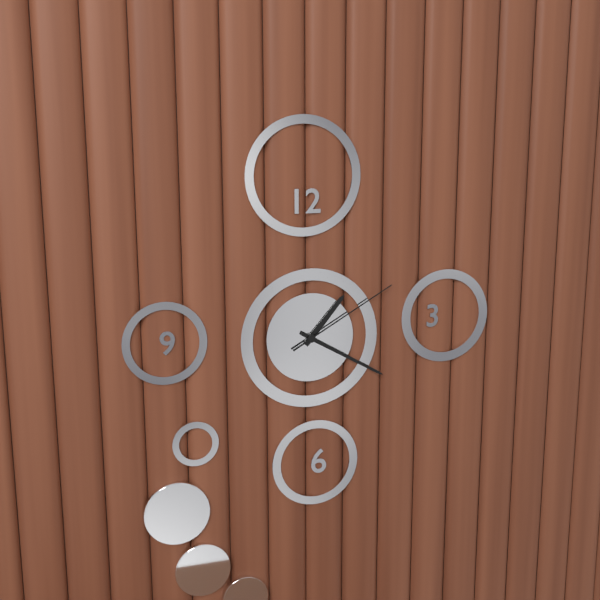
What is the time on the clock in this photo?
1:20:10
